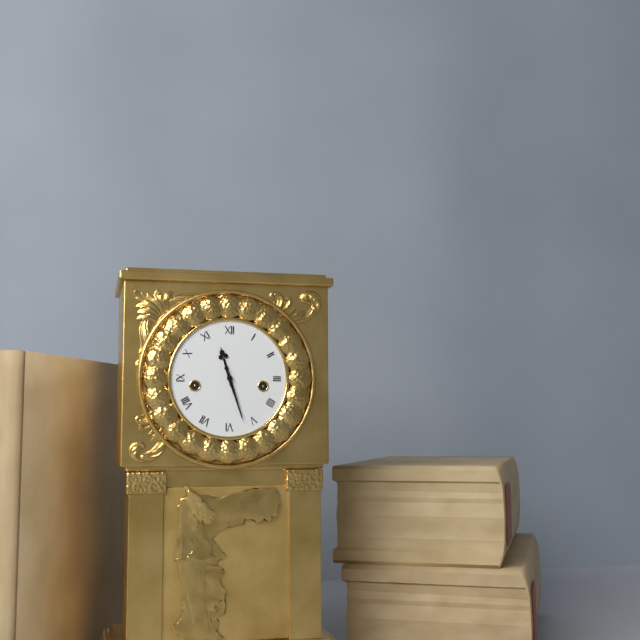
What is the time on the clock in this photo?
11:27
